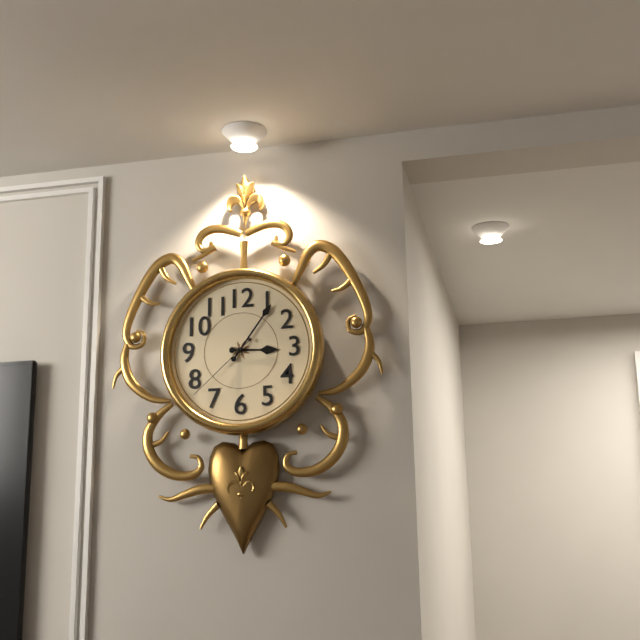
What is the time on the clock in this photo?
3:06:38
